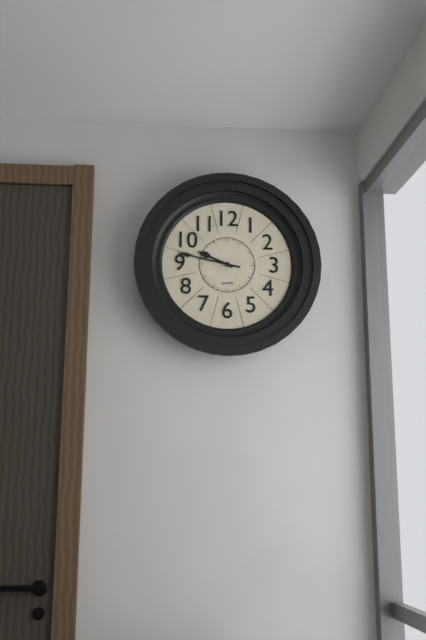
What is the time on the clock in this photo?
9:47
